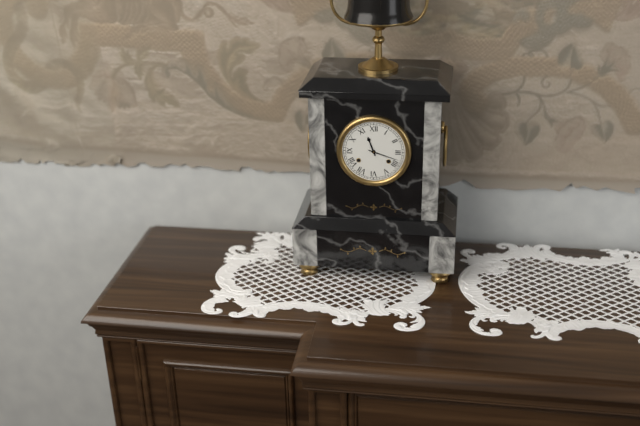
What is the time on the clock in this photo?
11:18
